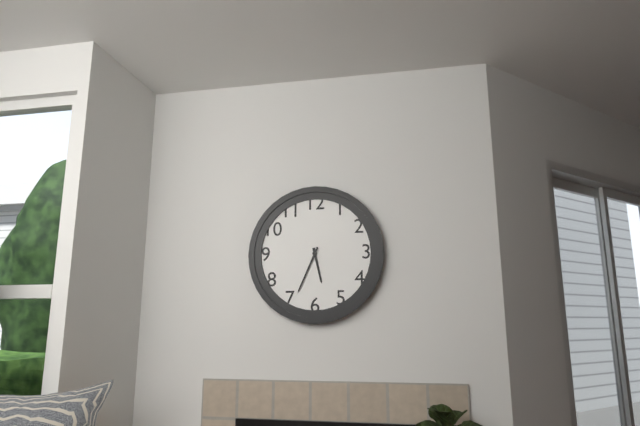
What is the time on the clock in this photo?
5:34
